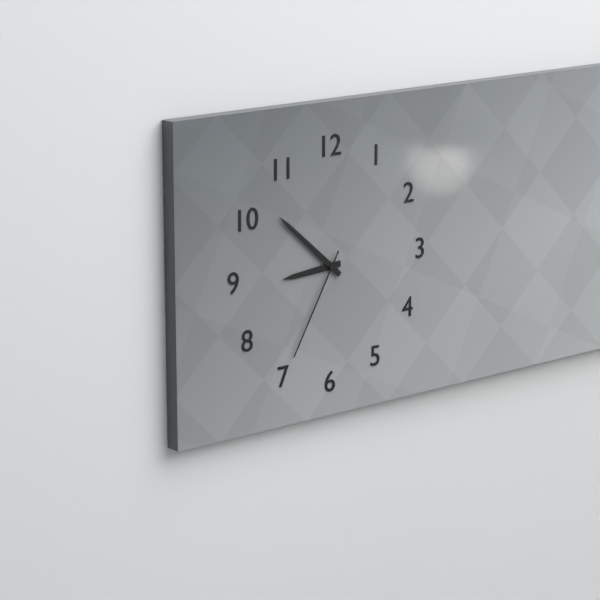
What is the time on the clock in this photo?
8:52:35
